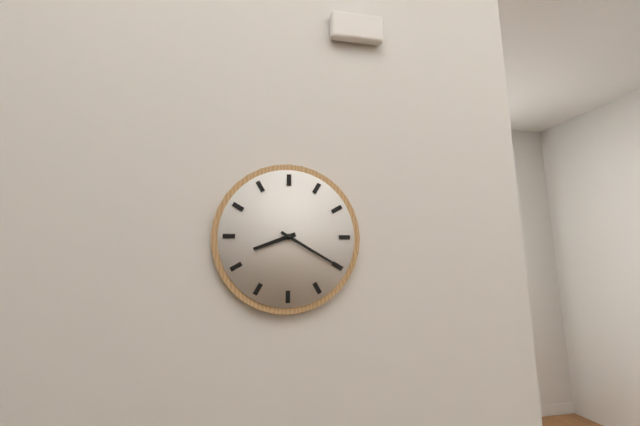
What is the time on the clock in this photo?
8:20
